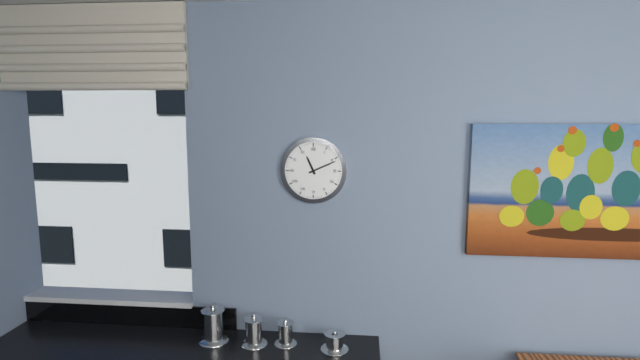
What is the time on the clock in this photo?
11:11
